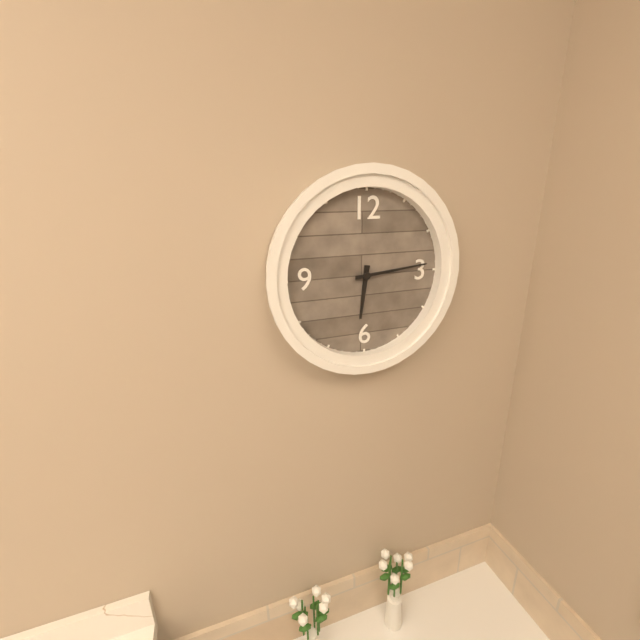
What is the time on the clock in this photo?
6:14
